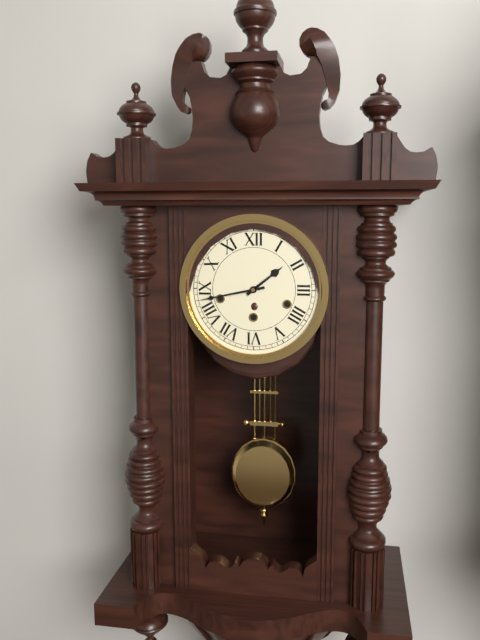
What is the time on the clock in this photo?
1:43
